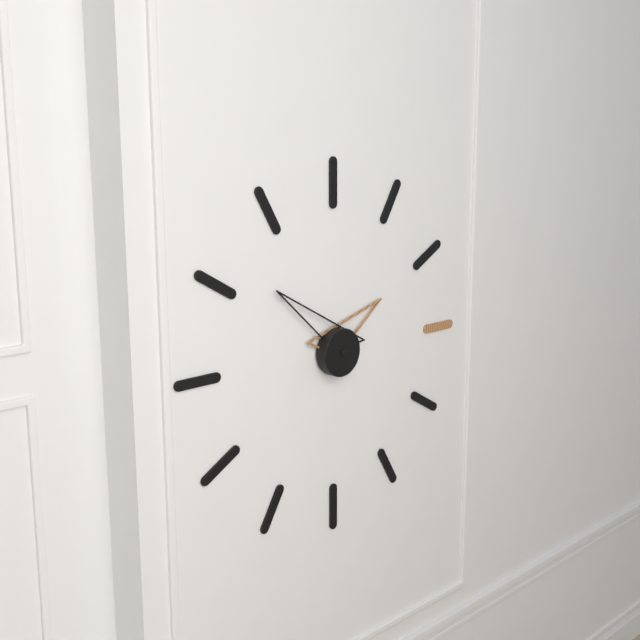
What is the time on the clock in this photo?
1:52
